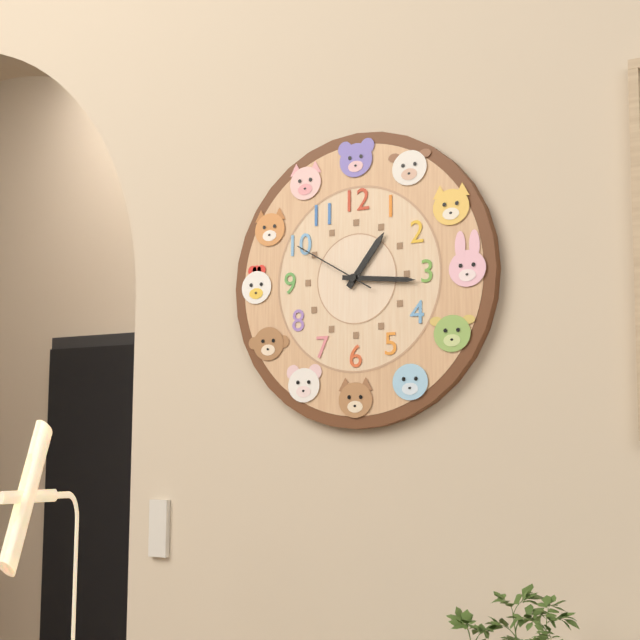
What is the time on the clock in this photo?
1:16:50
